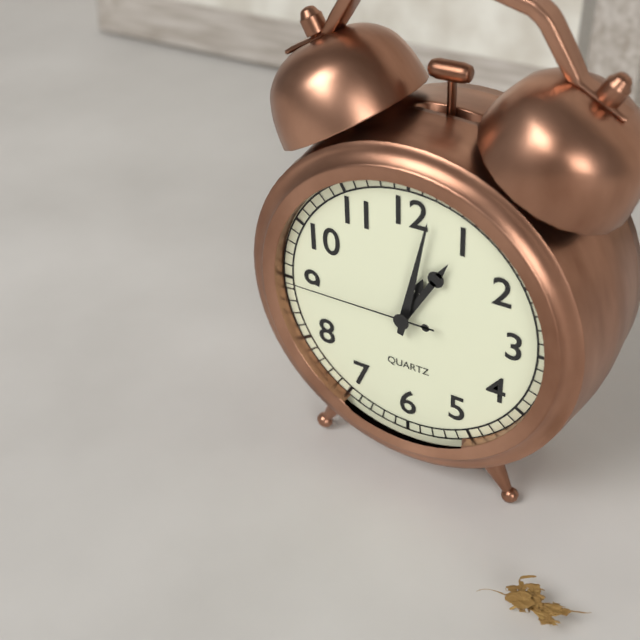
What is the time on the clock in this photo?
1:02:45
